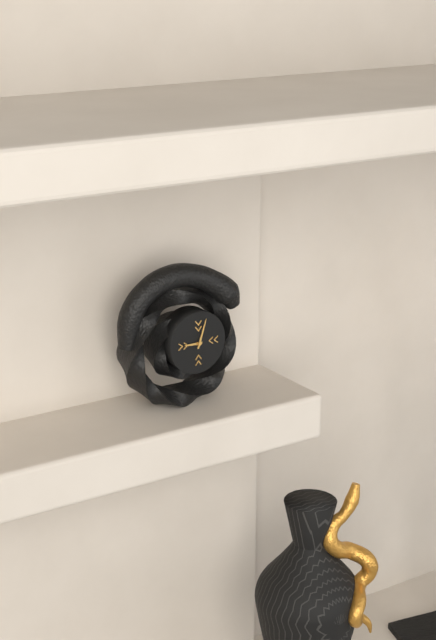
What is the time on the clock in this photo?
9:03
